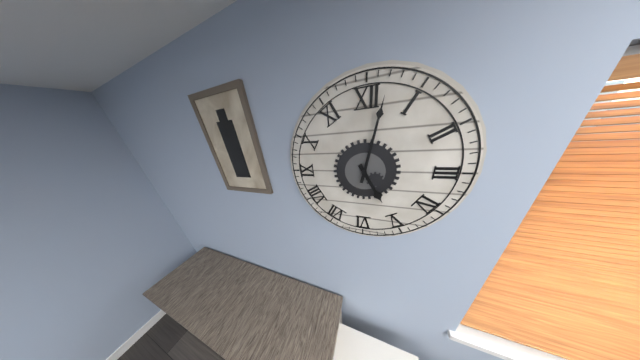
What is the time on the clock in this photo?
5:02
